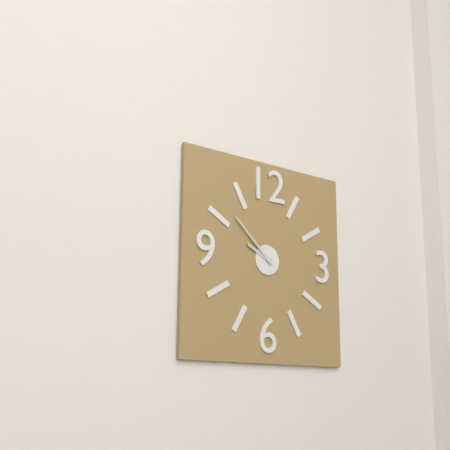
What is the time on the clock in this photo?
9:52
